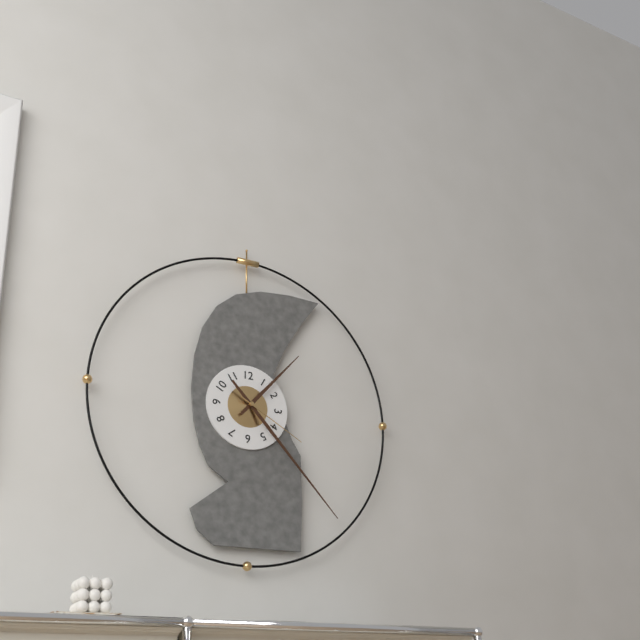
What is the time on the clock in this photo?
1:23:20
